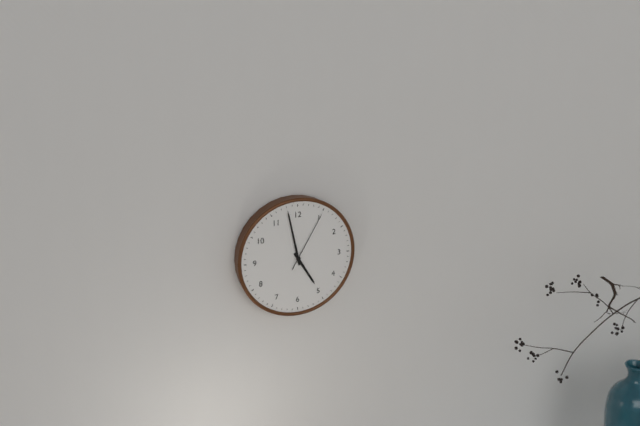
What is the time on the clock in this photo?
4:58:05
